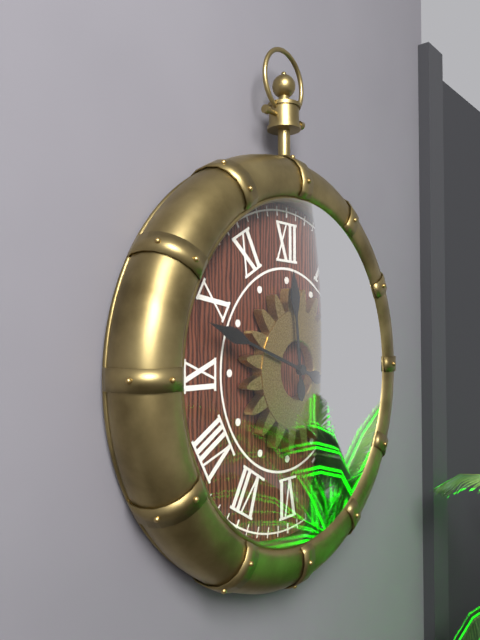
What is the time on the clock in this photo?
11:48
